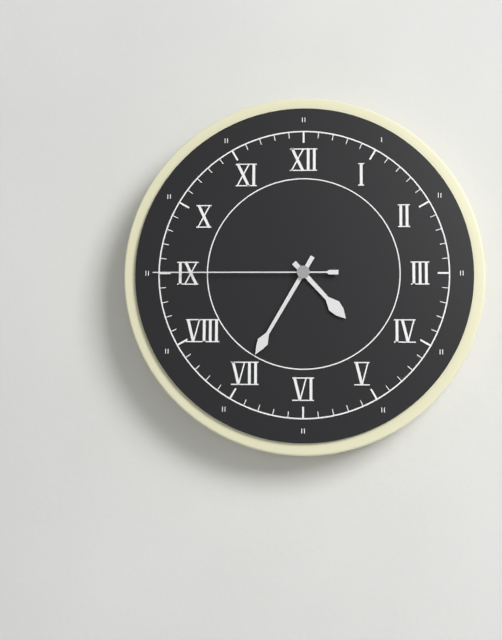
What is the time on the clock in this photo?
4:35:45
